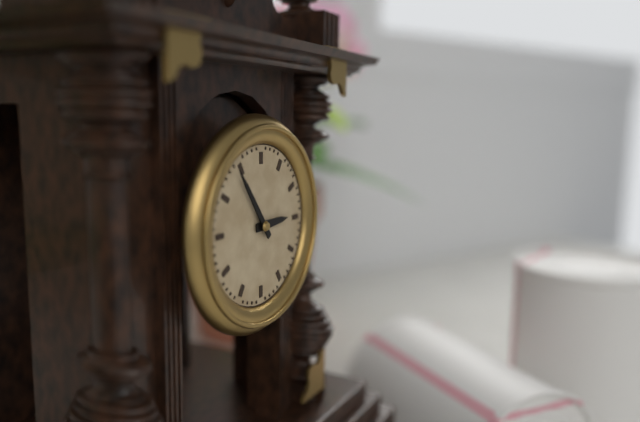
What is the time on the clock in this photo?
2:54
